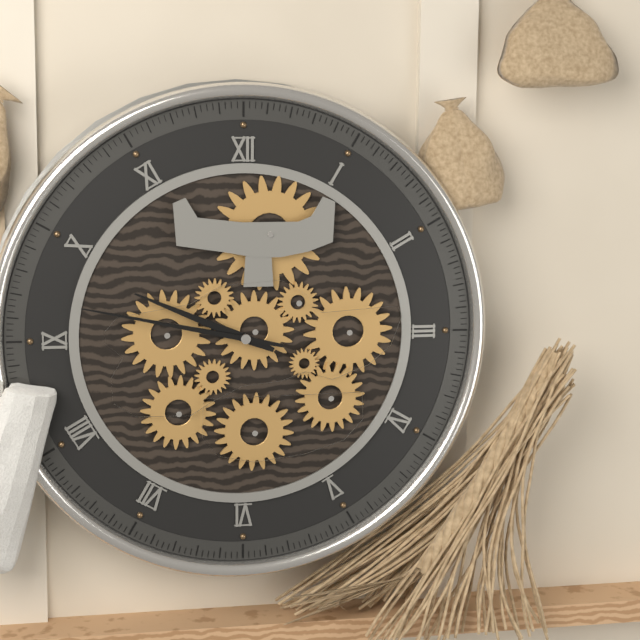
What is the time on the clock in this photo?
9:47
